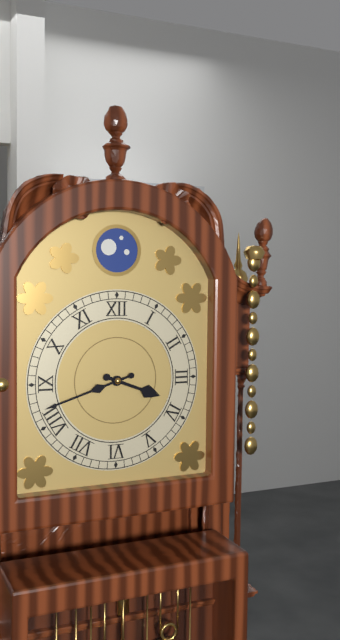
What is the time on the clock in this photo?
3:42
